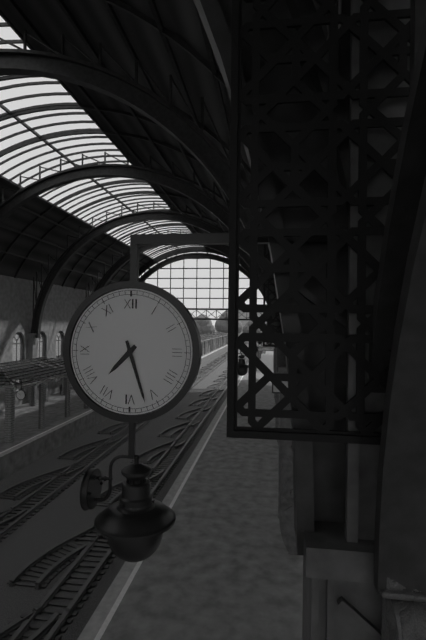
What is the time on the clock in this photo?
7:27
